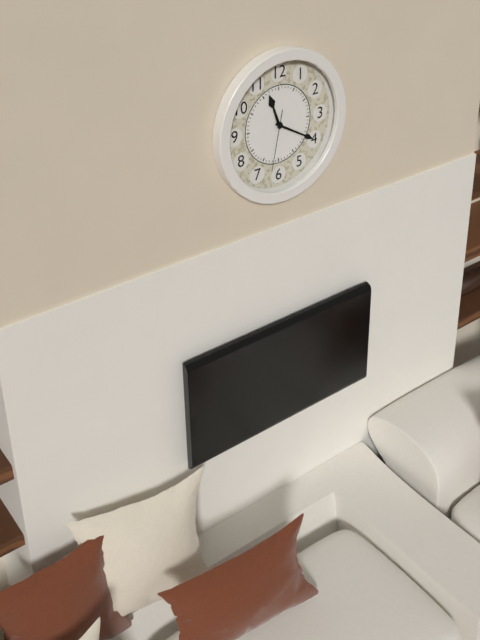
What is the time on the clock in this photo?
11:20:32
